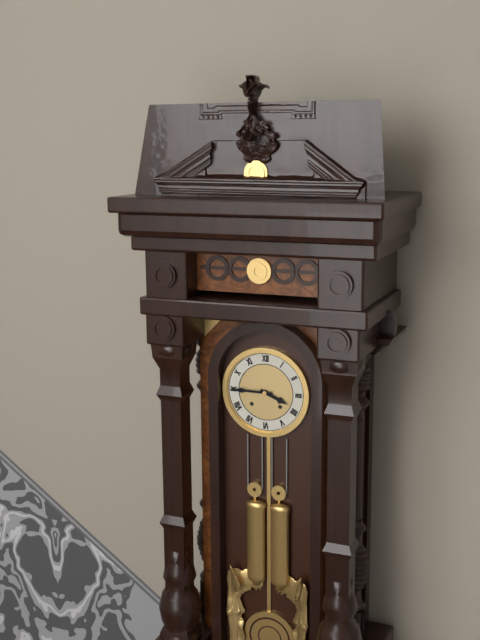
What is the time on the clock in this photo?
3:45
